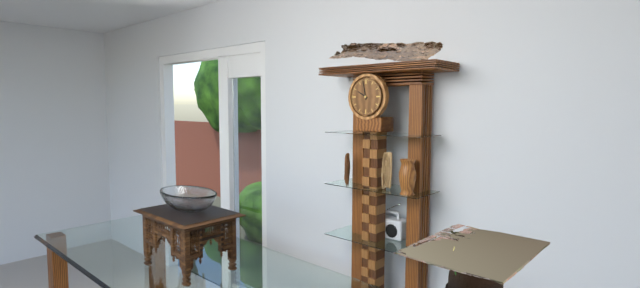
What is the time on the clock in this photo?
9:58
